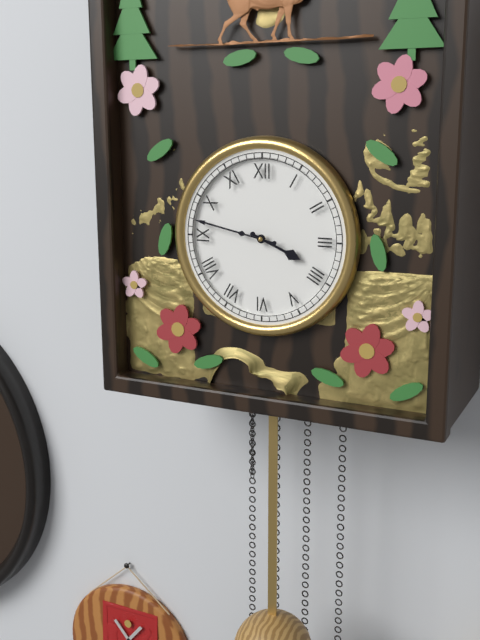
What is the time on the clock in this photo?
3:47
